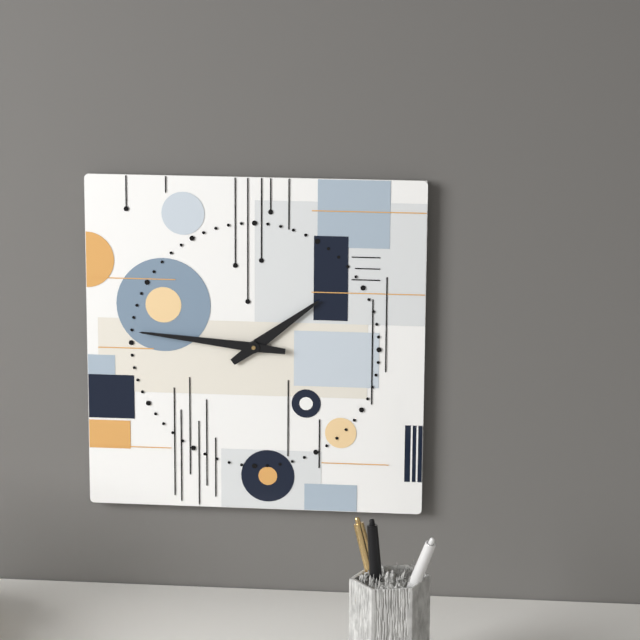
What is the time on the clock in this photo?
1:46
